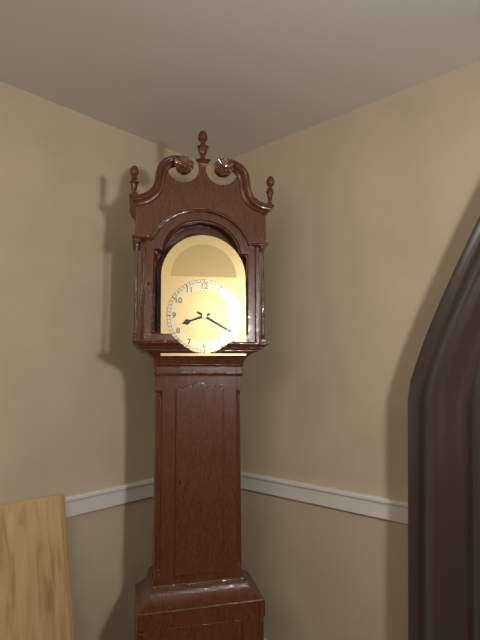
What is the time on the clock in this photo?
8:20
